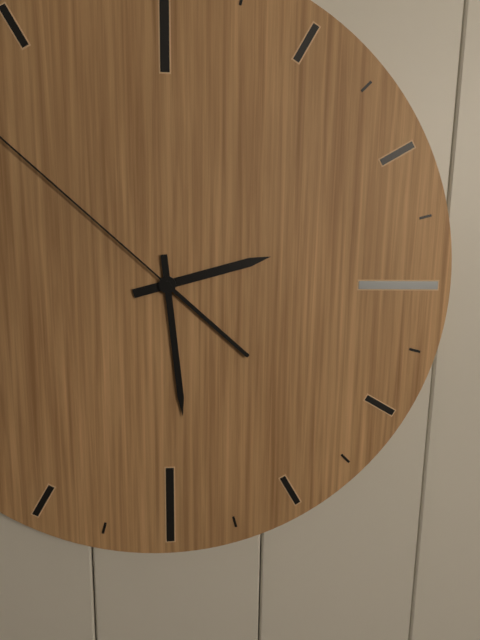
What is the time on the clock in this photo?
2:29
